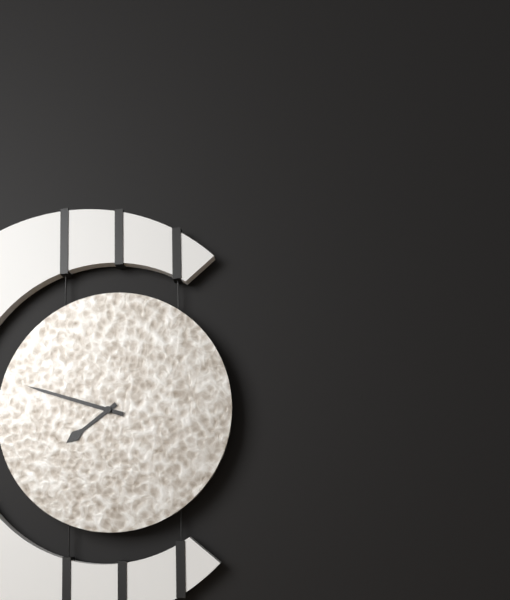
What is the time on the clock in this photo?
7:48
